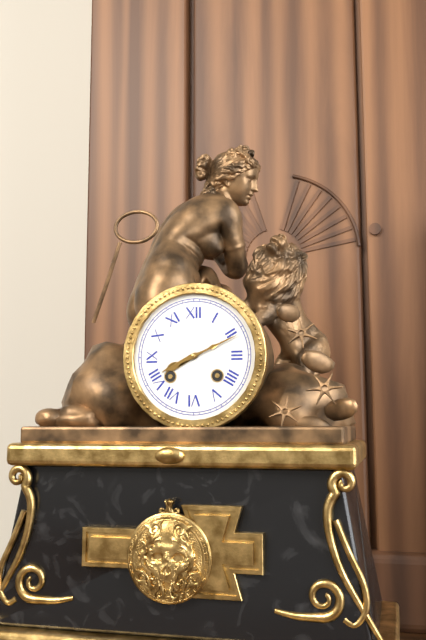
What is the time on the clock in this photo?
8:11
